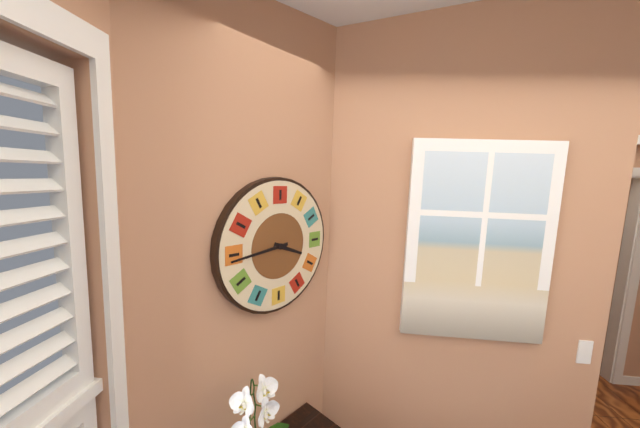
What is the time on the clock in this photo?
3:44
